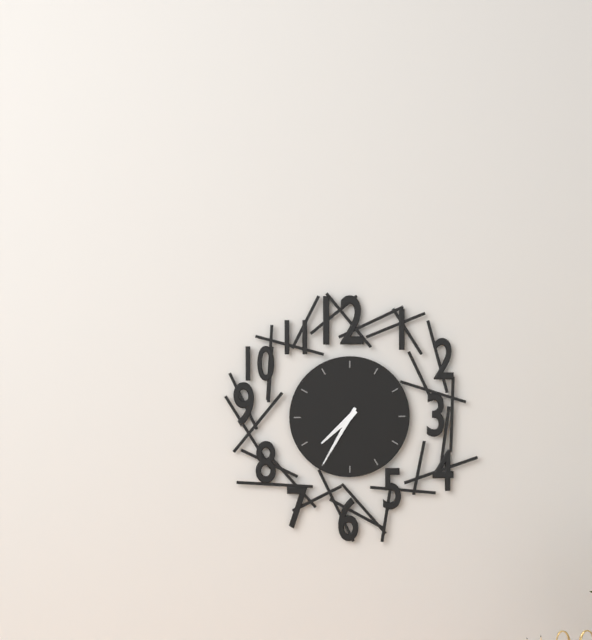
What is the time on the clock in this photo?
7:35
